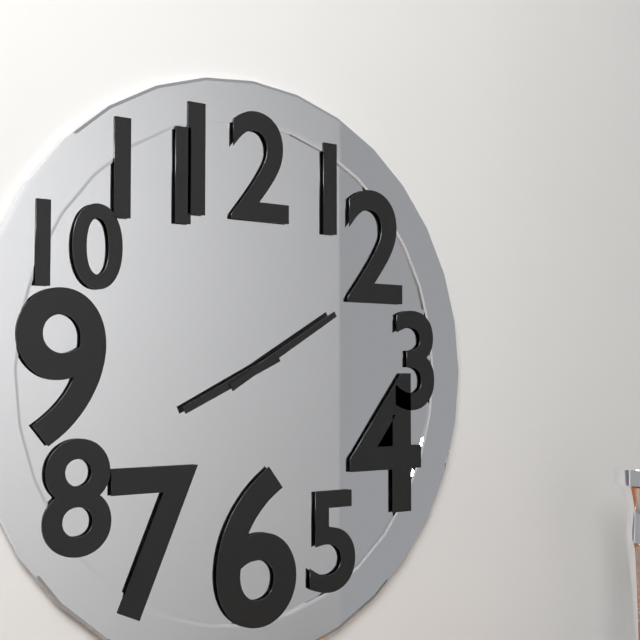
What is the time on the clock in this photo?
8:10
